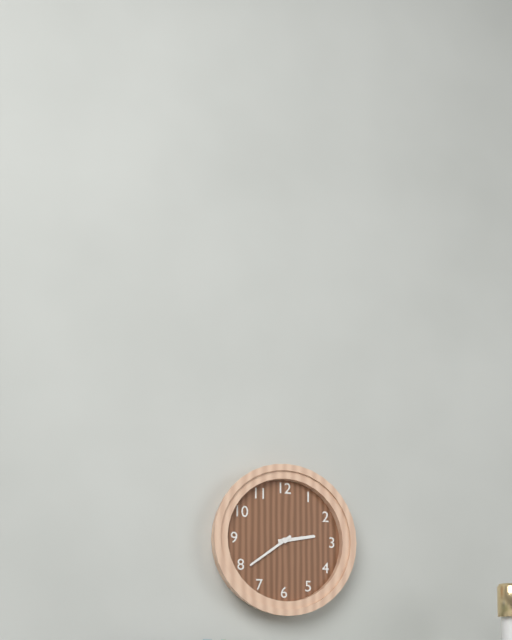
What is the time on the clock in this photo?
2:39
